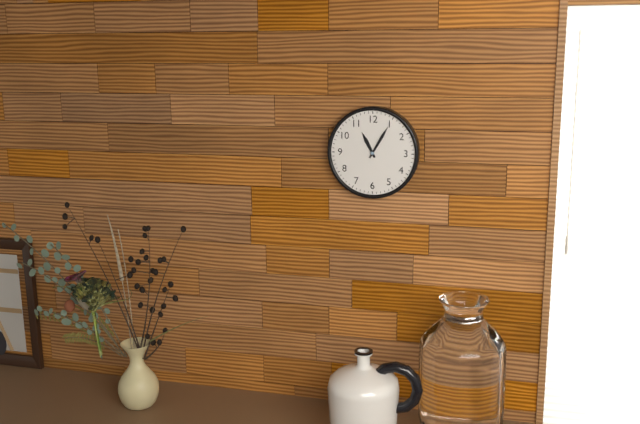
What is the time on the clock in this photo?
11:05
